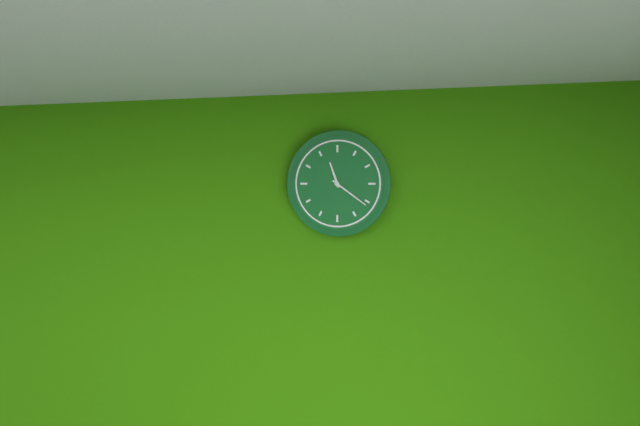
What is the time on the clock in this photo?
11:21
